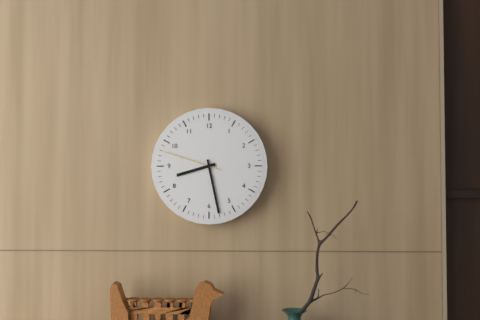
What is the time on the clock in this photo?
8:28:48
